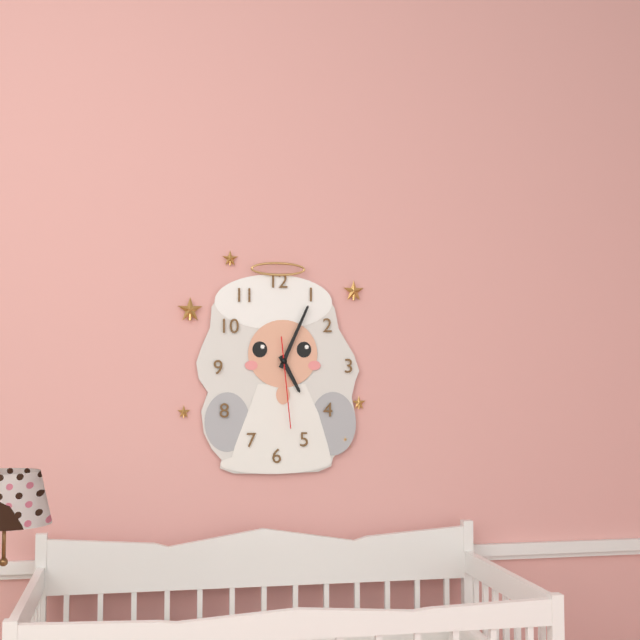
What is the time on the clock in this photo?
5:04:29
